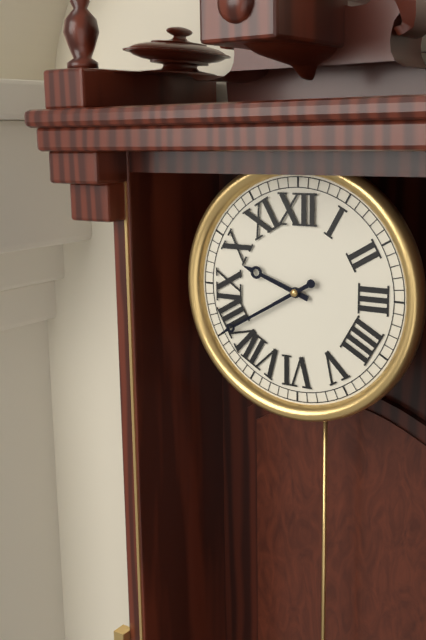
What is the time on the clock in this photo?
9:40
